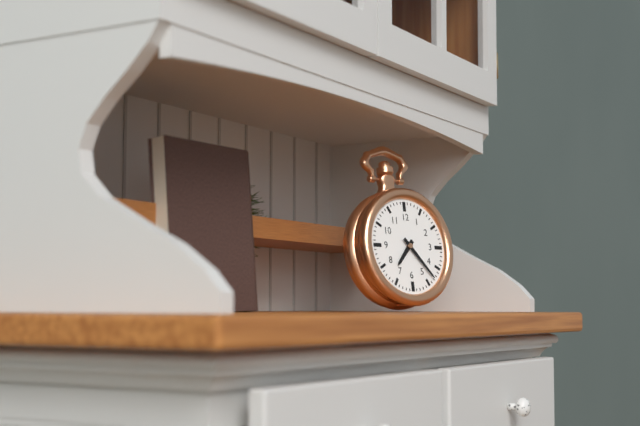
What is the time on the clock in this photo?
7:23
